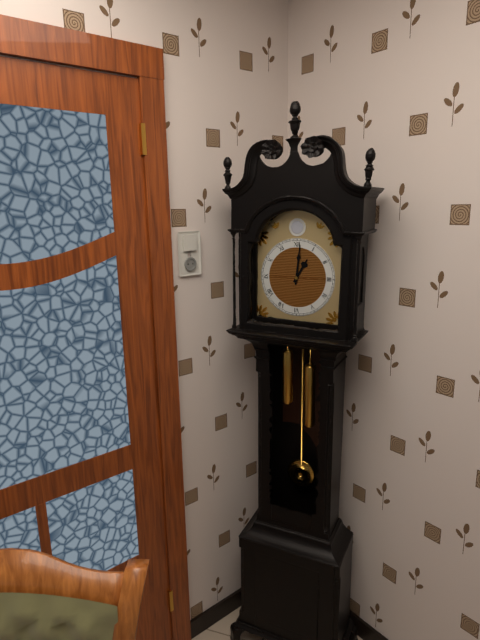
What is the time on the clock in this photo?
1:01
